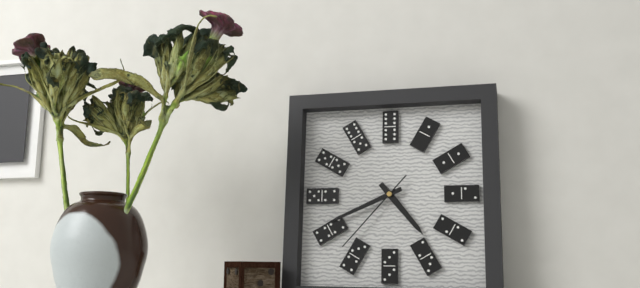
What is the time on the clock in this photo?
4:41:37
